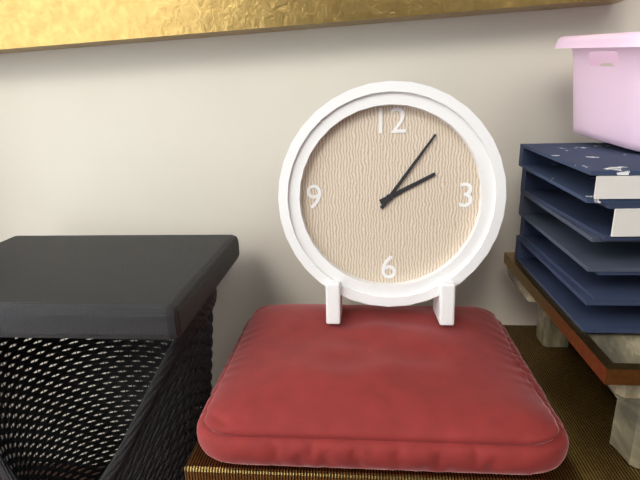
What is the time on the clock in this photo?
2:06
